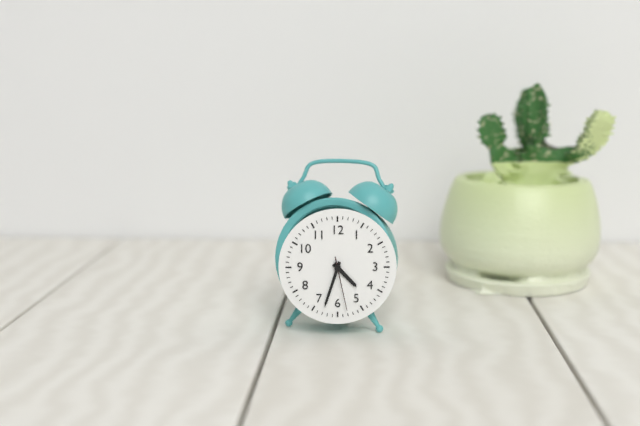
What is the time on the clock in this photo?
4:33:28
